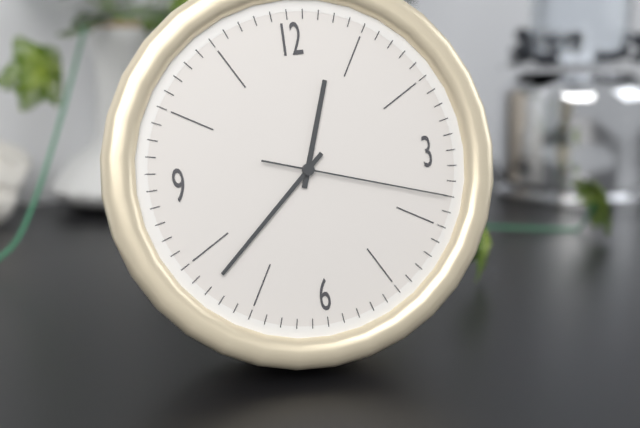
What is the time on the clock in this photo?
12:38:18
